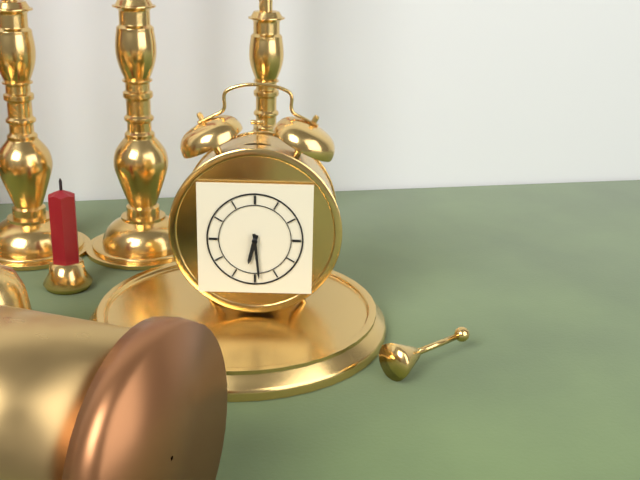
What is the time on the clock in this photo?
6:29
